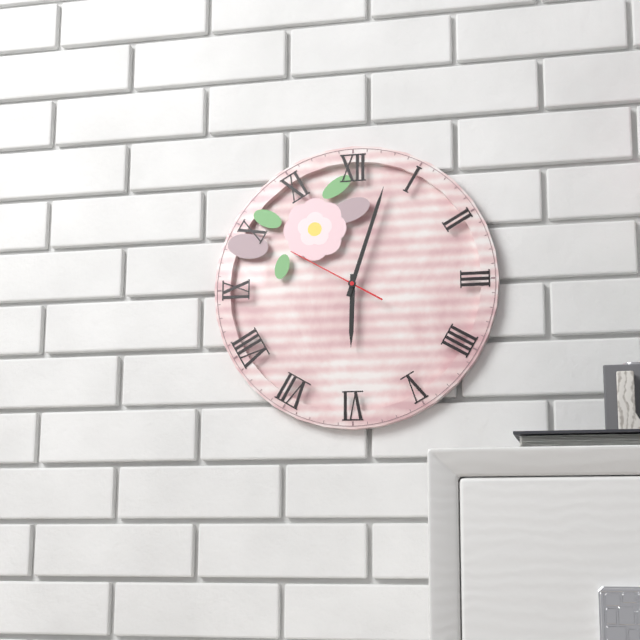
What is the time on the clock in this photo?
6:03:50
